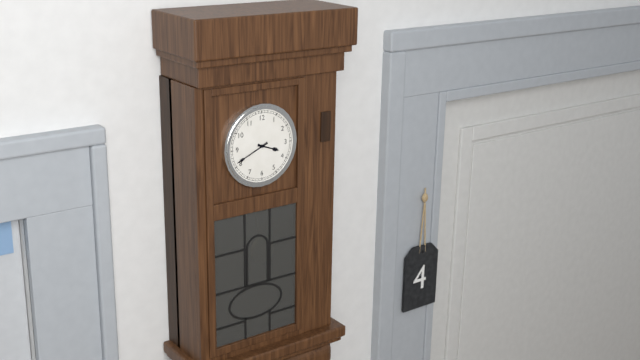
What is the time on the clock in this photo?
3:41
